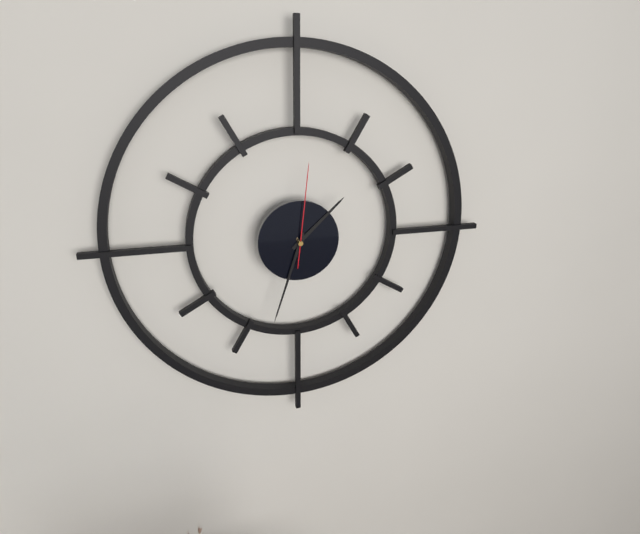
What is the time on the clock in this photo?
1:33:01
